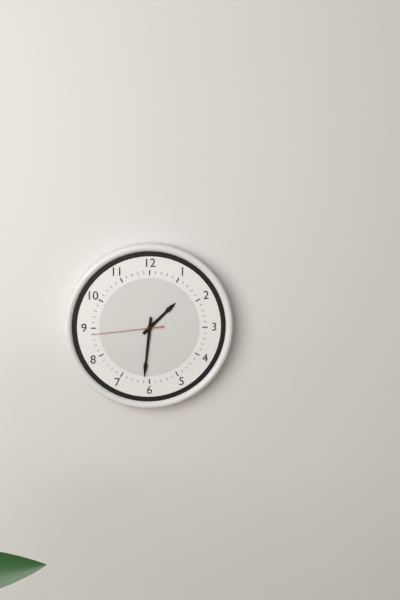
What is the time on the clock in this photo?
1:31:44
